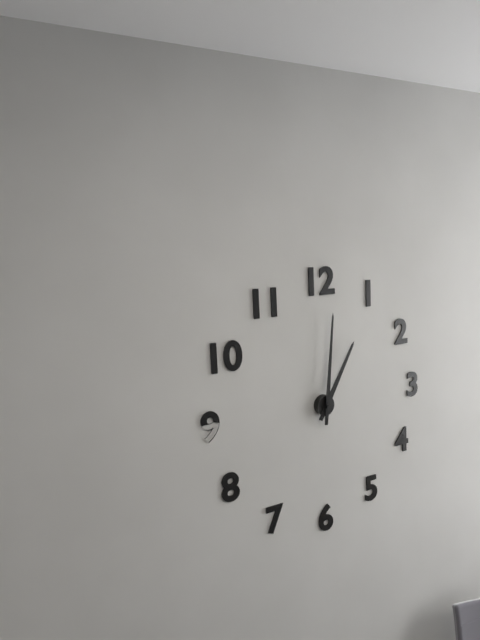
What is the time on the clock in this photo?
1:01
